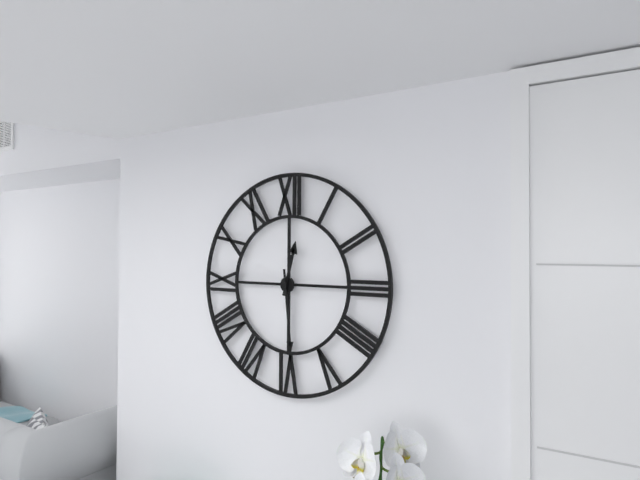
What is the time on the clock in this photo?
12:29
